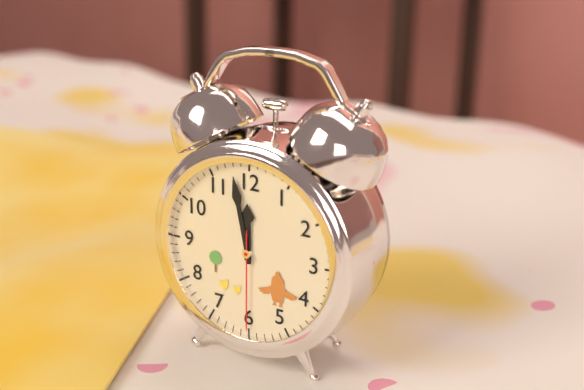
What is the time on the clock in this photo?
11:58:30
